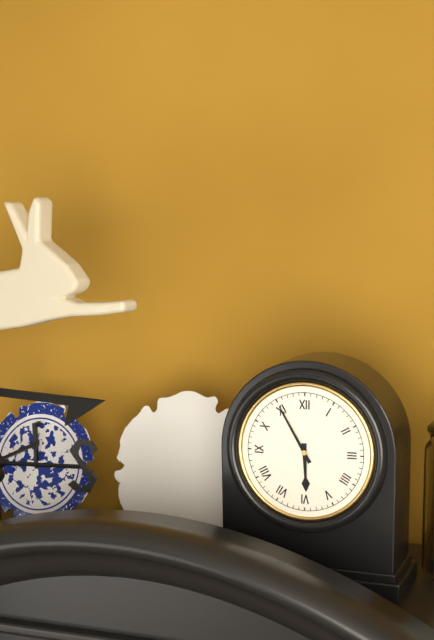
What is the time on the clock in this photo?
5:55
